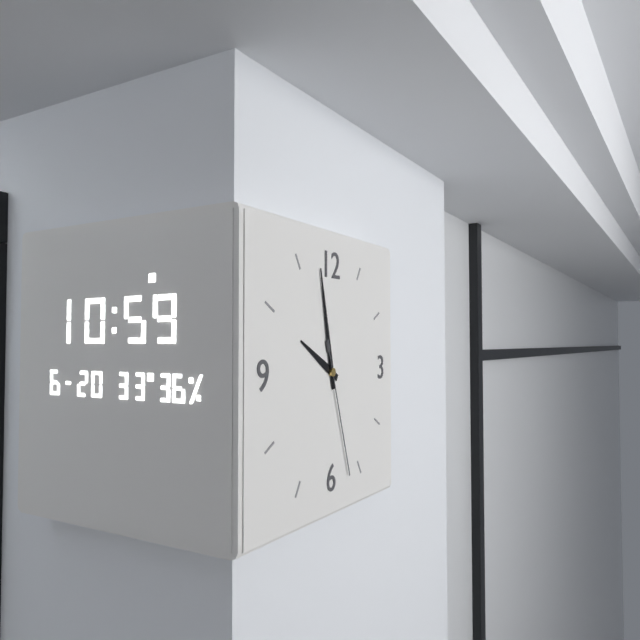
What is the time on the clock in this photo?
9:58:27
